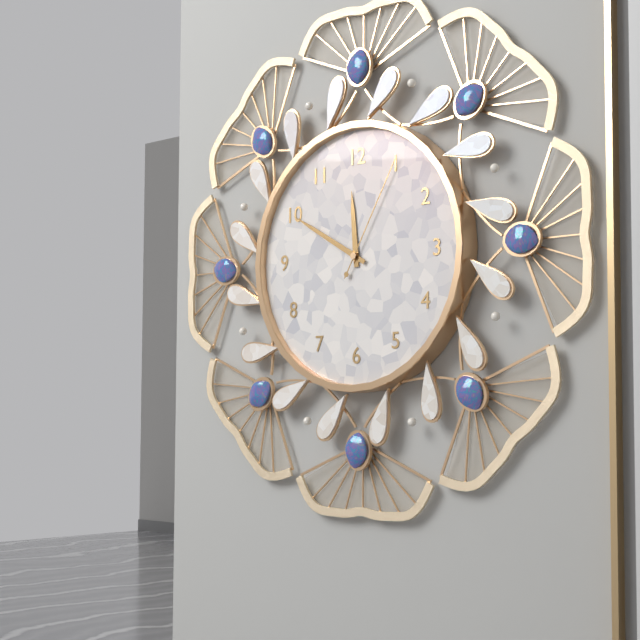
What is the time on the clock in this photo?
11:50:05
